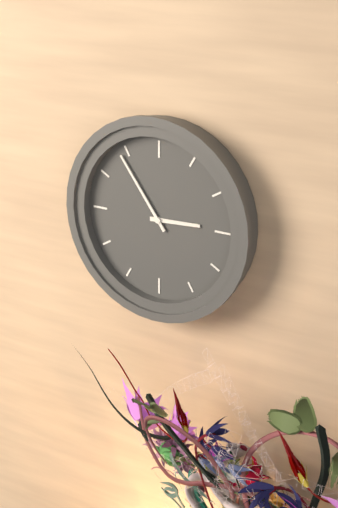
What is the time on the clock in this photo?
2:54
